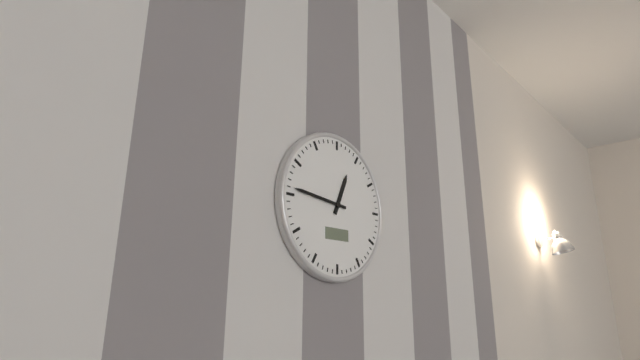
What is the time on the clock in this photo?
12:46
